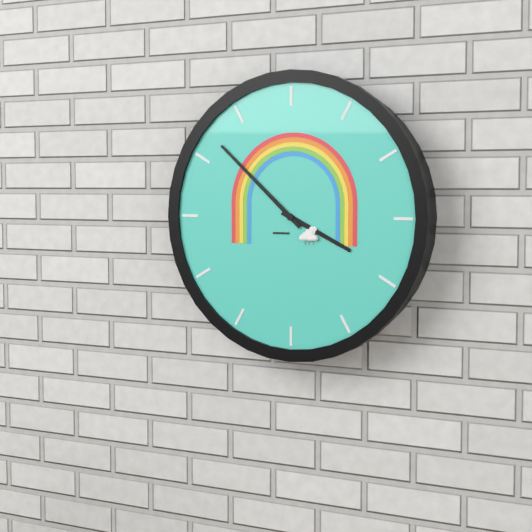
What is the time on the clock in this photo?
3:52
